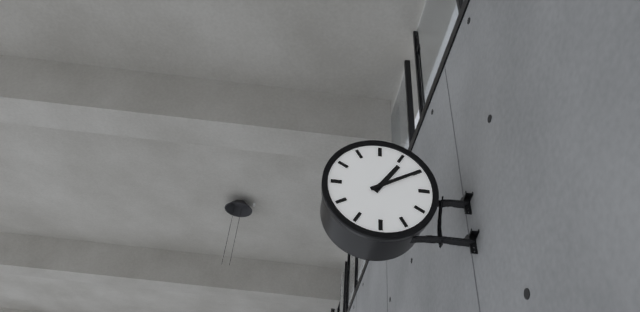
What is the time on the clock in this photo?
1:10
